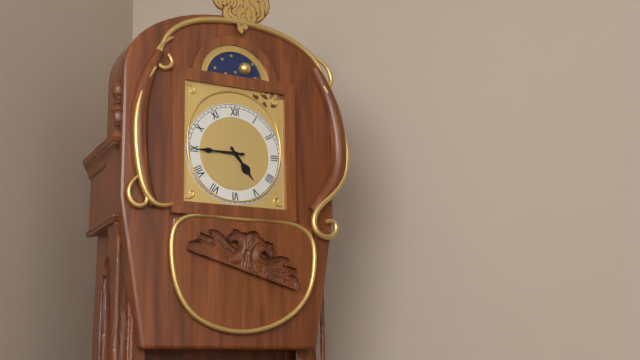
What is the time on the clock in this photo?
4:45
